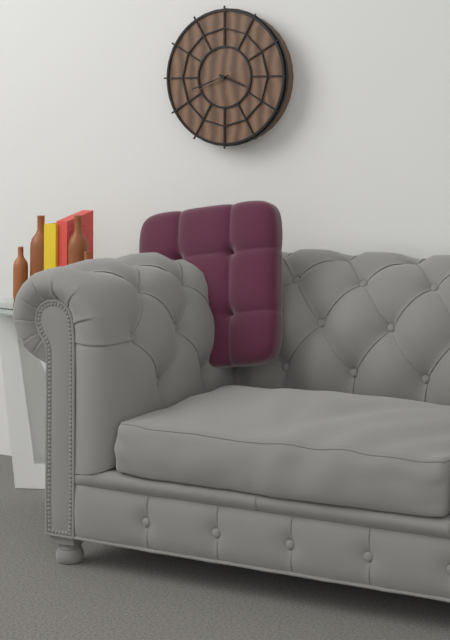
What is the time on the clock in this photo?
3:42
